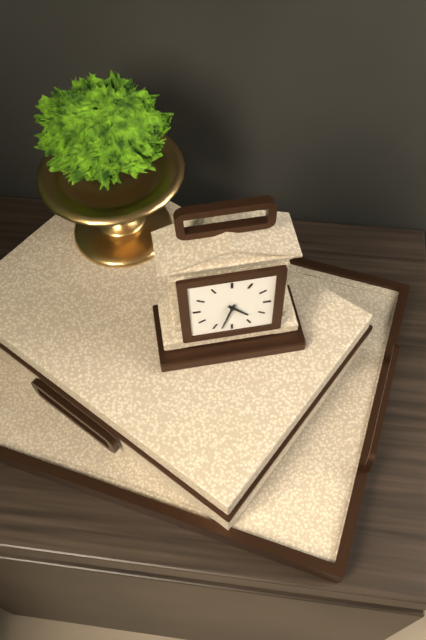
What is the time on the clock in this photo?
4:33
